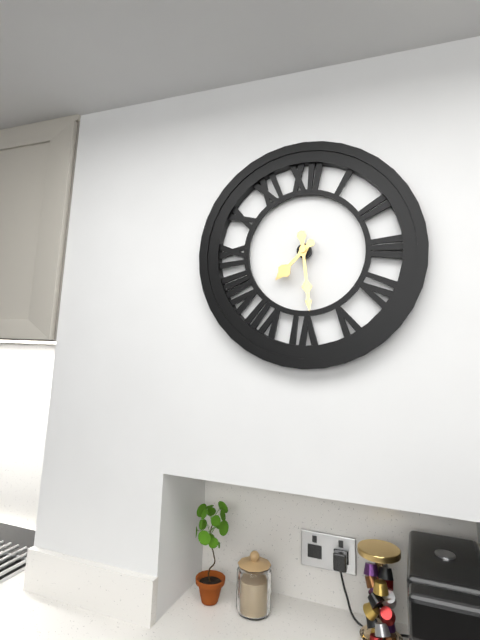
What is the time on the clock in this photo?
7:29
